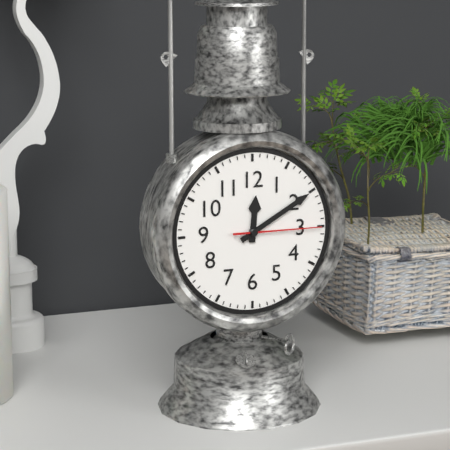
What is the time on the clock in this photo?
12:10:15
